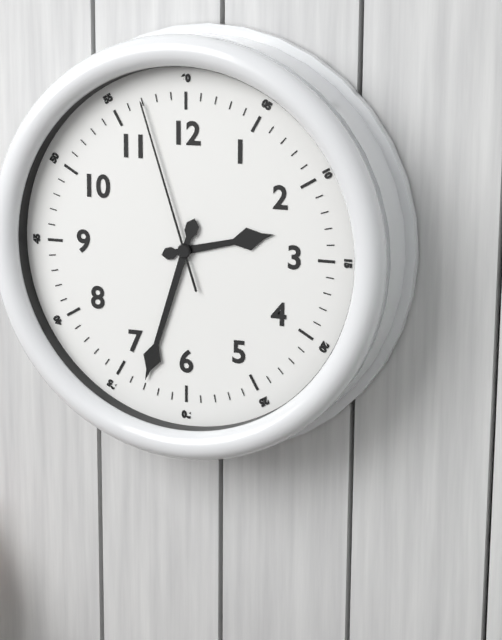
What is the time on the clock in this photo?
2:33:57
